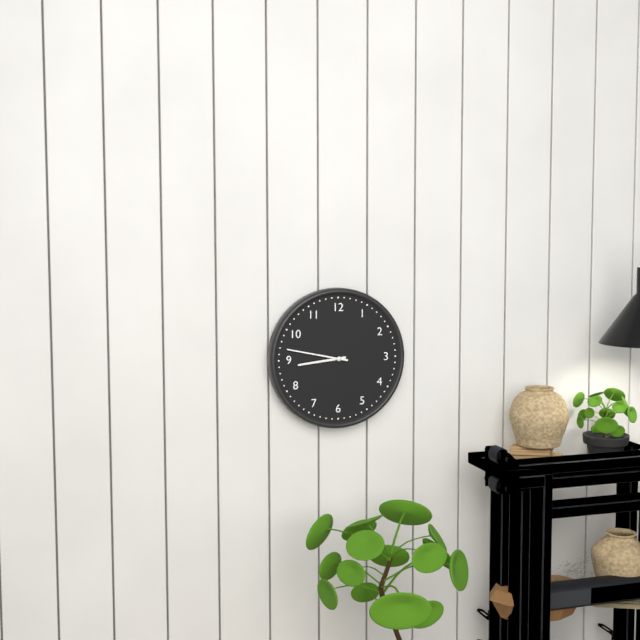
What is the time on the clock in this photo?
8:47
